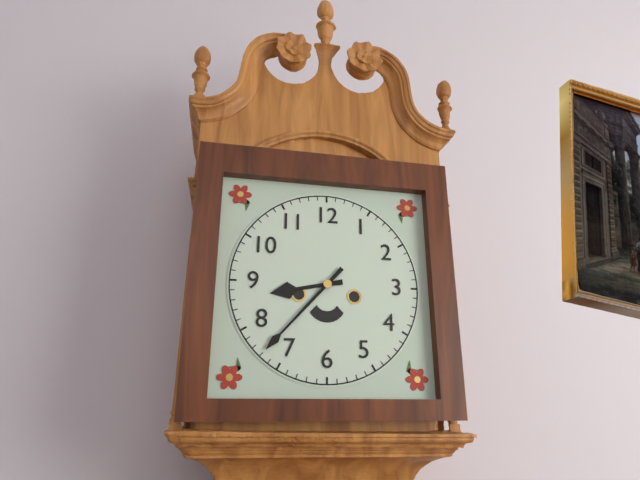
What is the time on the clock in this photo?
8:37
